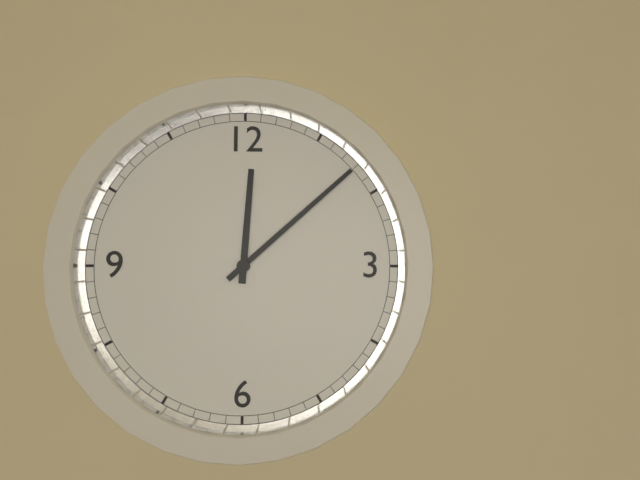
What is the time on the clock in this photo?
12:08
